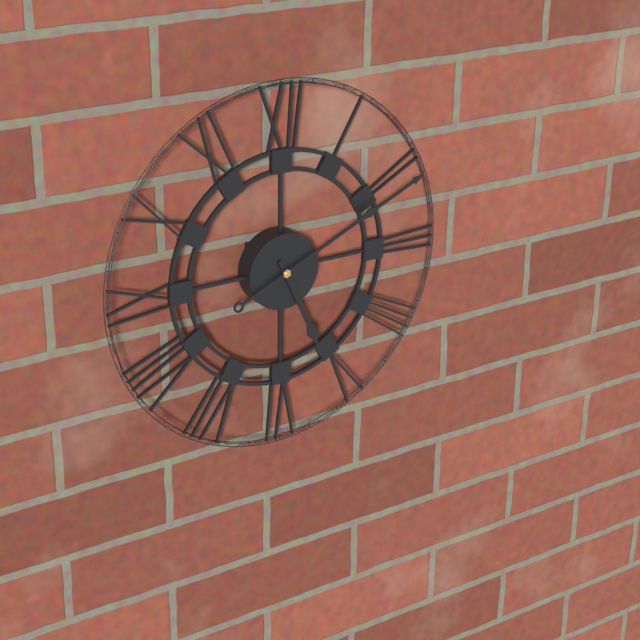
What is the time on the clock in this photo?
5:11
